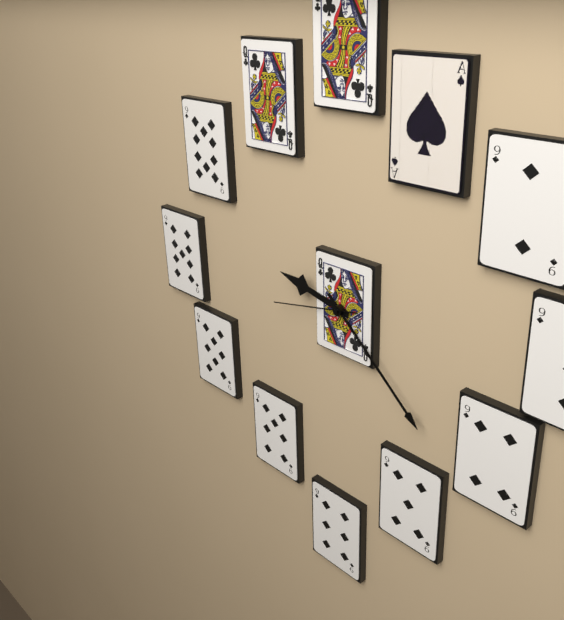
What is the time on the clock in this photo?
9:22:43
